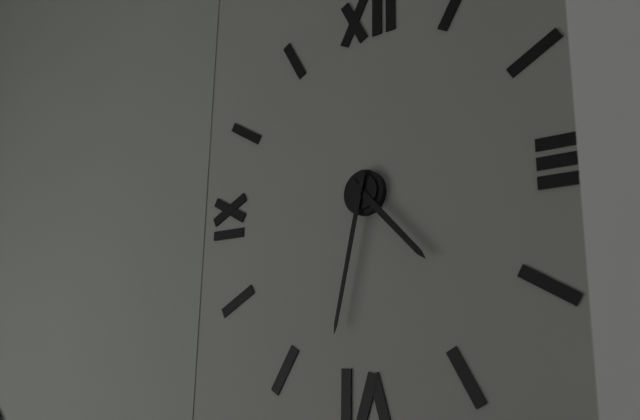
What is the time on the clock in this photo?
4:32
